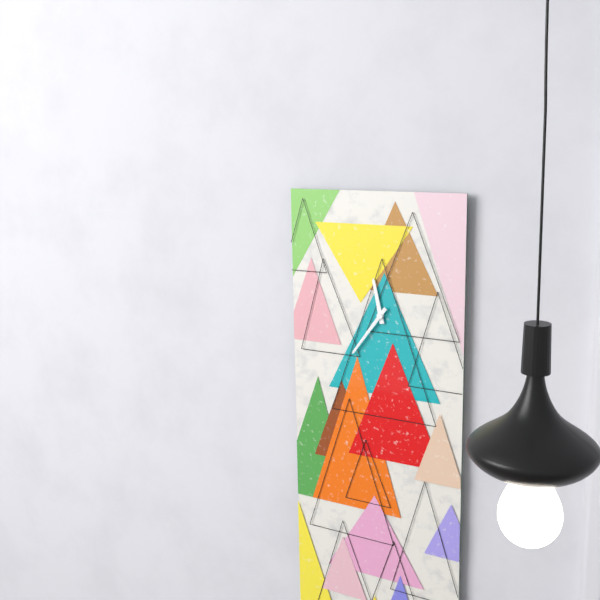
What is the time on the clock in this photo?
11:36
